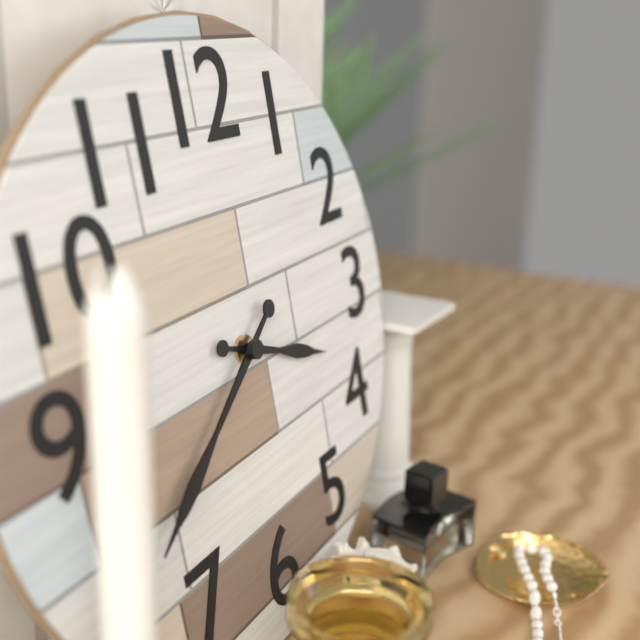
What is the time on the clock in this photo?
3:39
